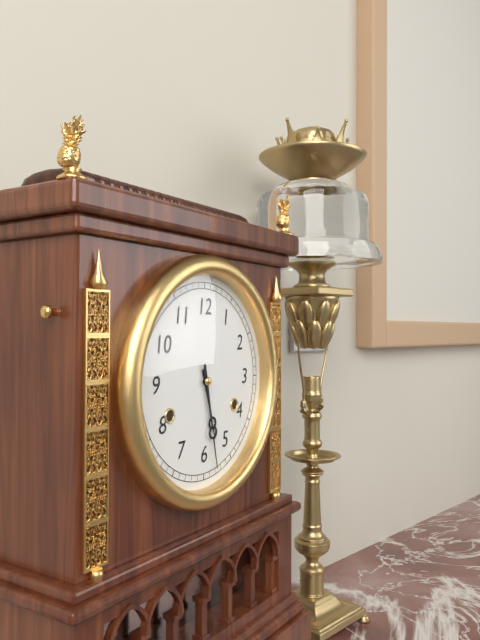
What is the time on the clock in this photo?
5:28
